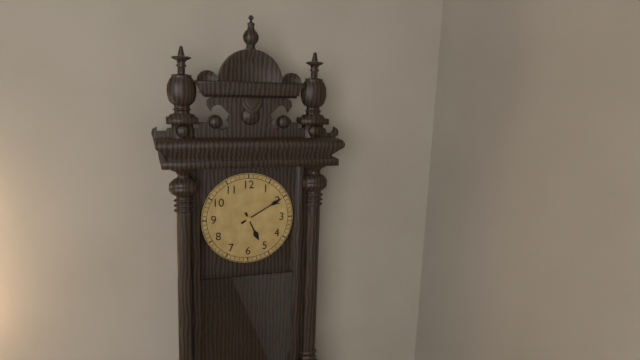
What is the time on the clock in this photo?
5:10
